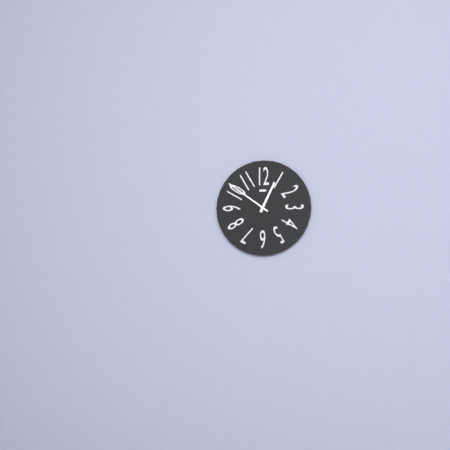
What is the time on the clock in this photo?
12:51
